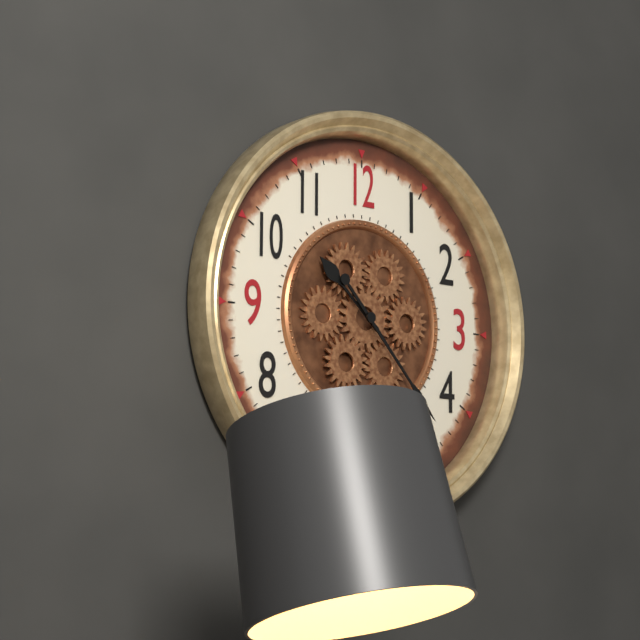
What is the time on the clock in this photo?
10:23
